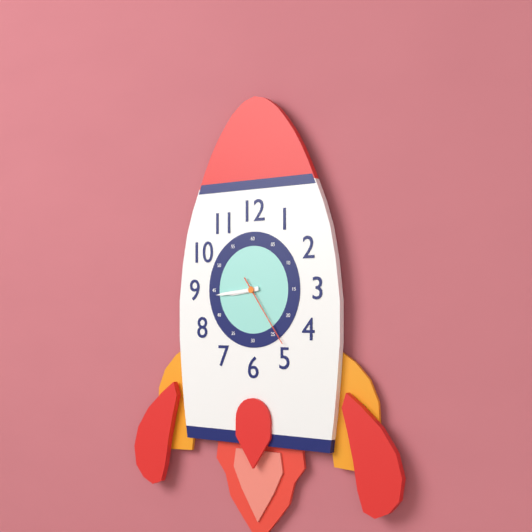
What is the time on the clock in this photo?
8:44:24
